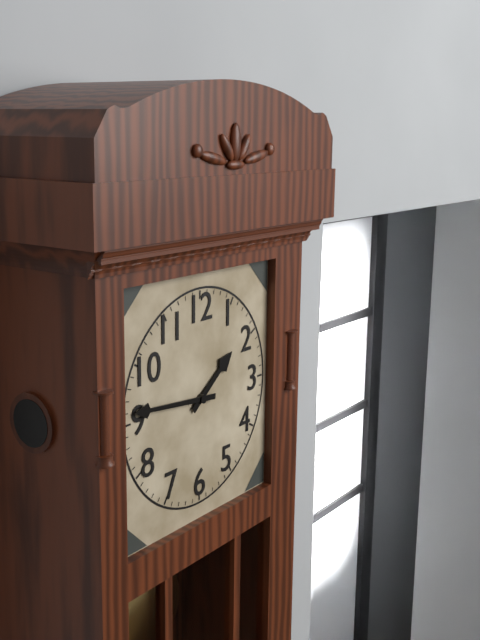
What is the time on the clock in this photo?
1:46
